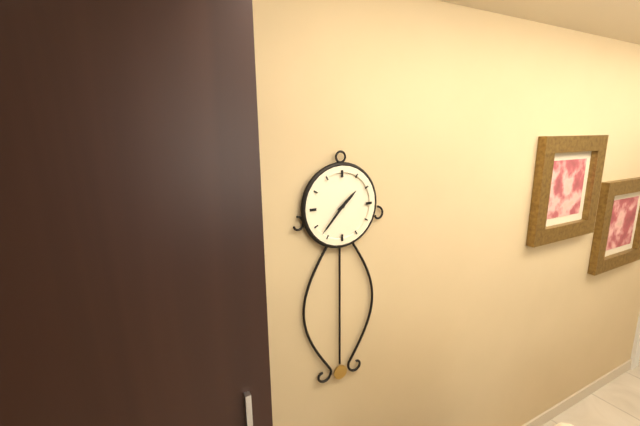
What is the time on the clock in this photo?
1:37
